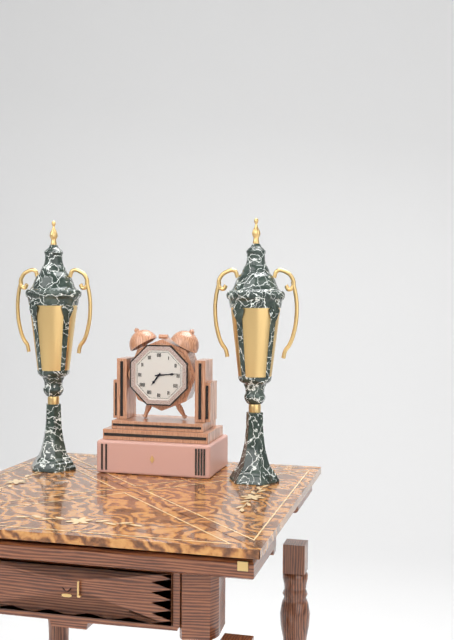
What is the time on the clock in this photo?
7:14
